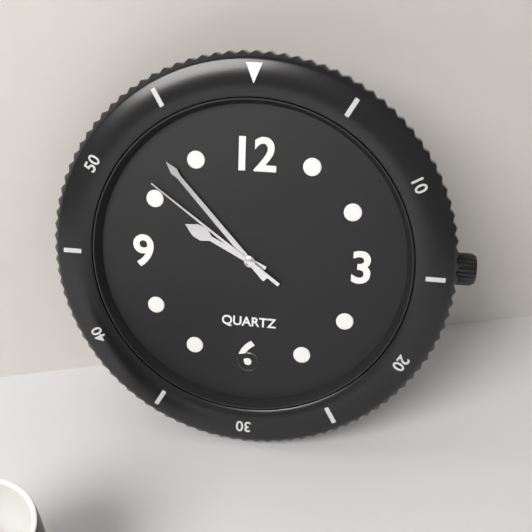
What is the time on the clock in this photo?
9:53:51
